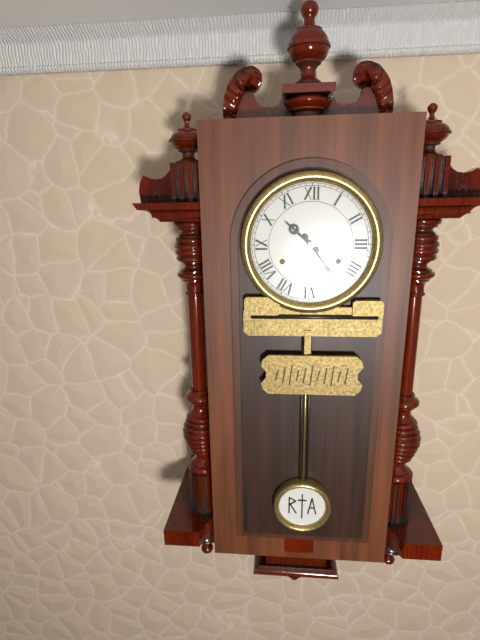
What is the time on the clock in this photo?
10:24
